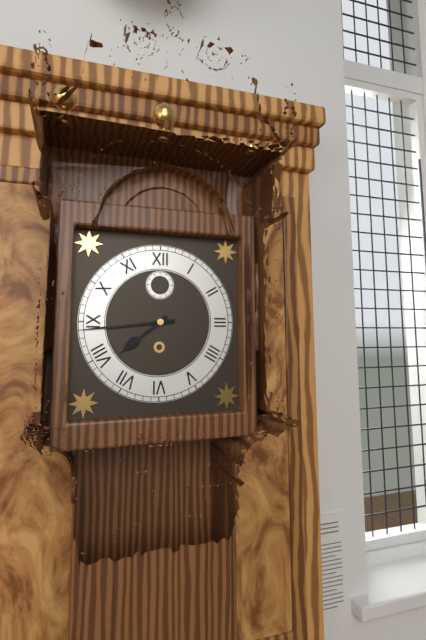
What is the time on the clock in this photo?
7:44
